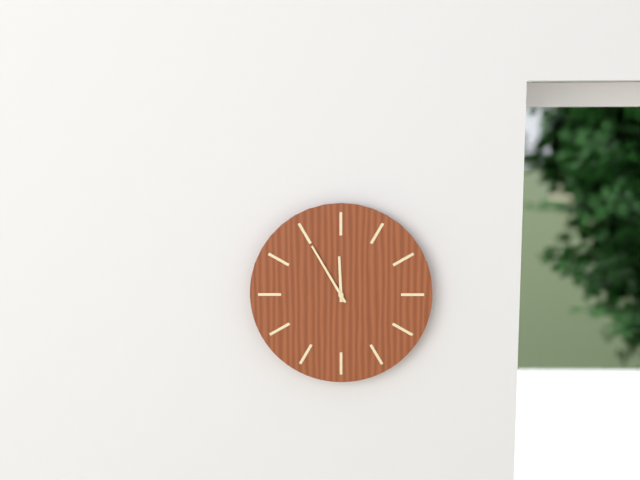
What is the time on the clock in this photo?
11:55
